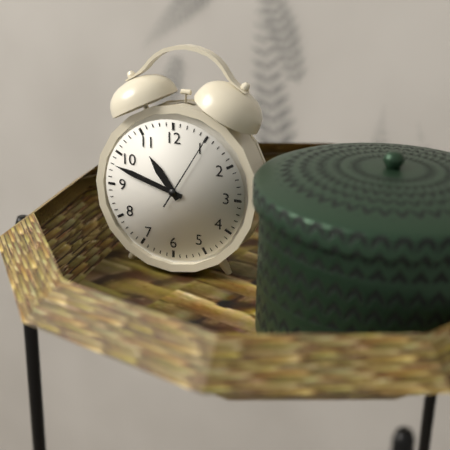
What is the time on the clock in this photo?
10:48:05
